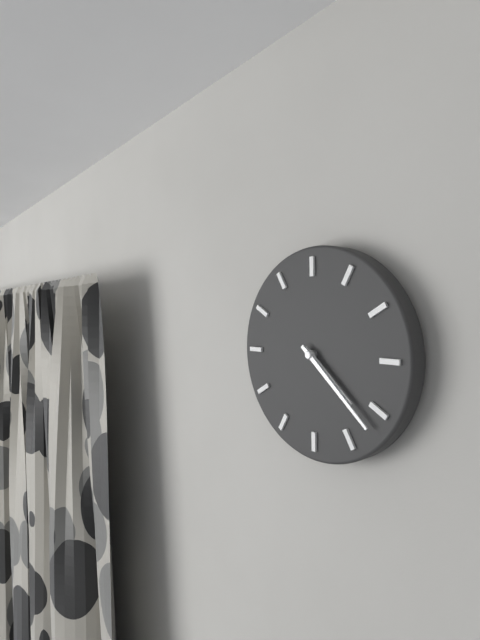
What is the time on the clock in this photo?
4:22
